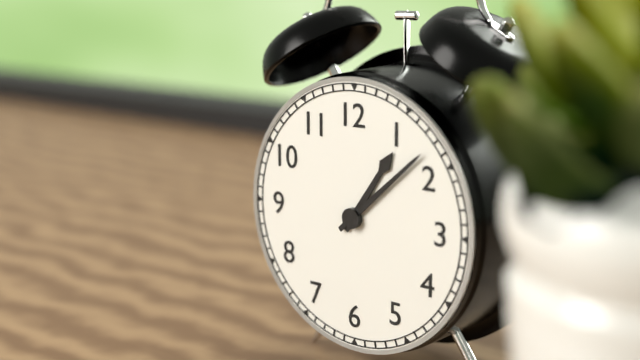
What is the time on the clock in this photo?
1:08
